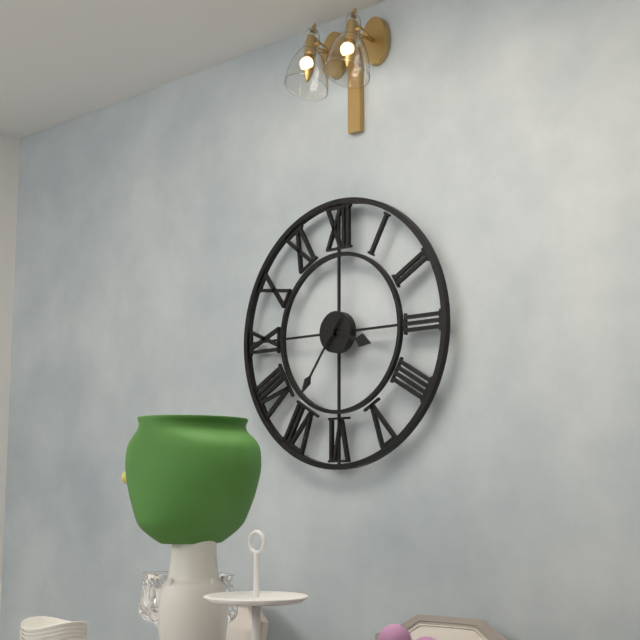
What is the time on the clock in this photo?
3:36
